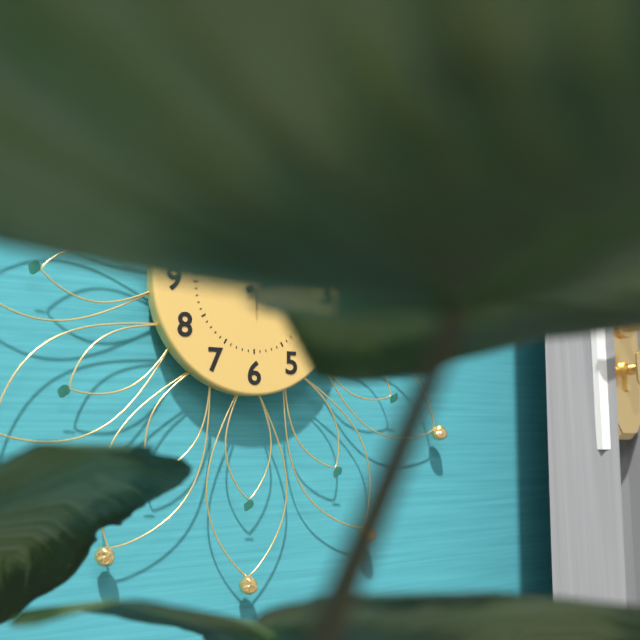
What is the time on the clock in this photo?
2:11:00
